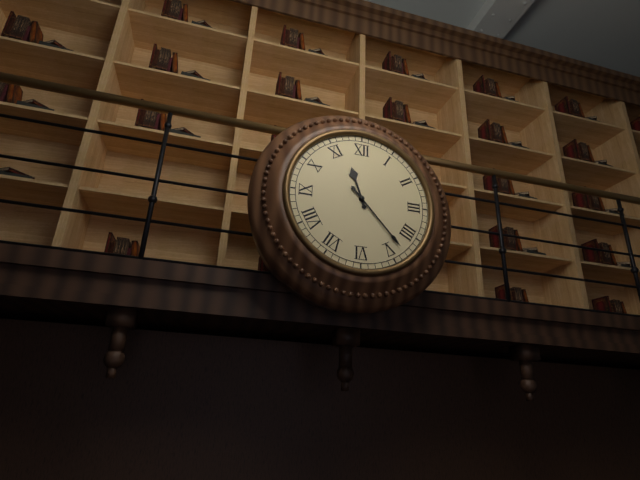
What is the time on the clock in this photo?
11:23
